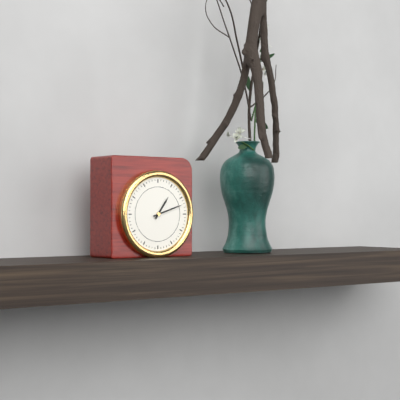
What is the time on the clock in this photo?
1:12
